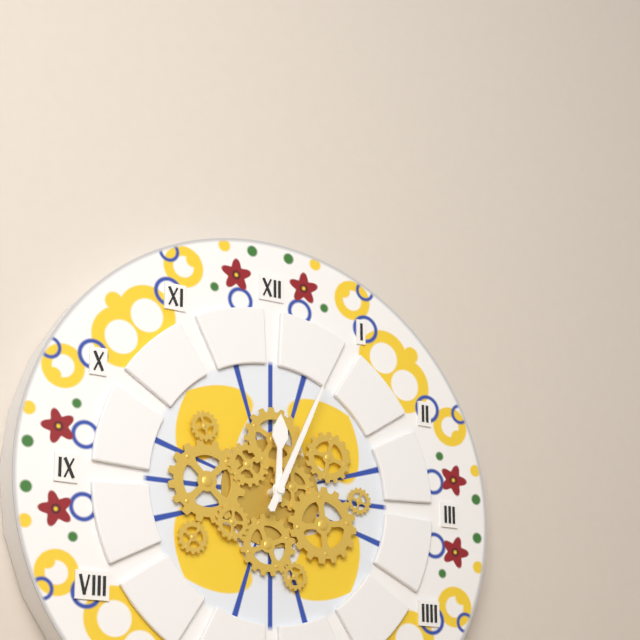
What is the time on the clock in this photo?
12:04
